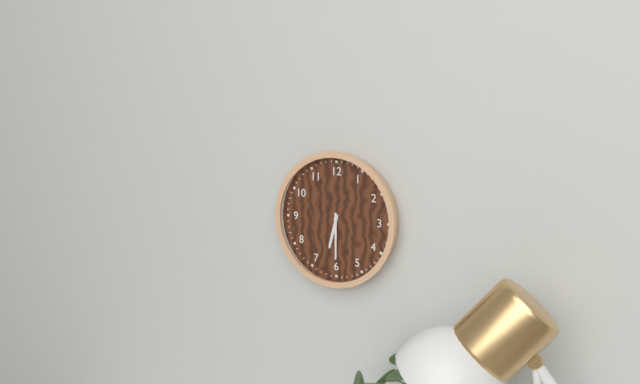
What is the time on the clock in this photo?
6:30
